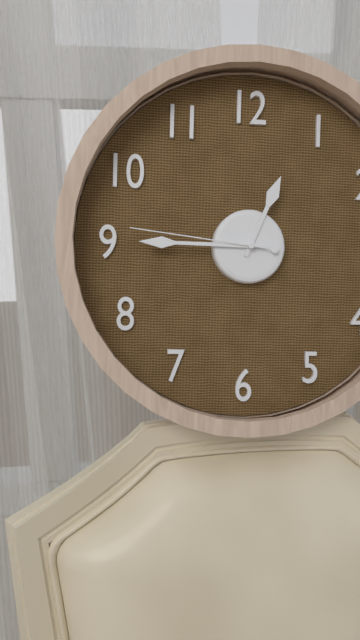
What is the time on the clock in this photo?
12:45:46
